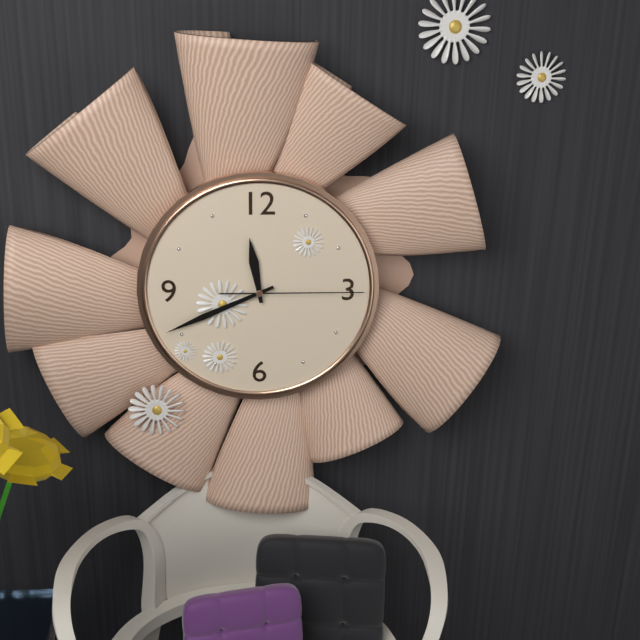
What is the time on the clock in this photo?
11:41:15
